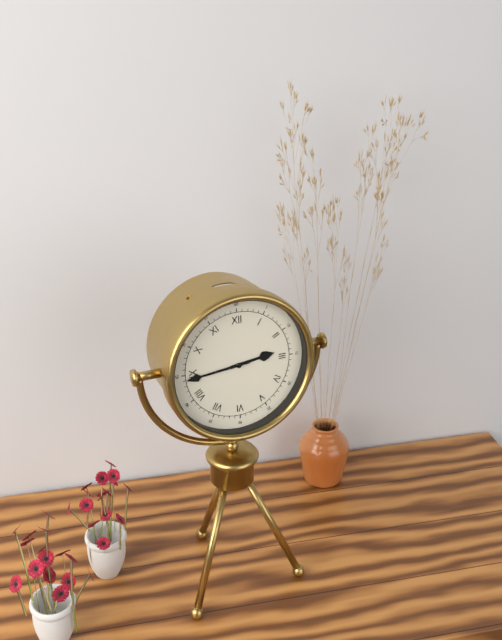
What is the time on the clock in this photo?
2:44
